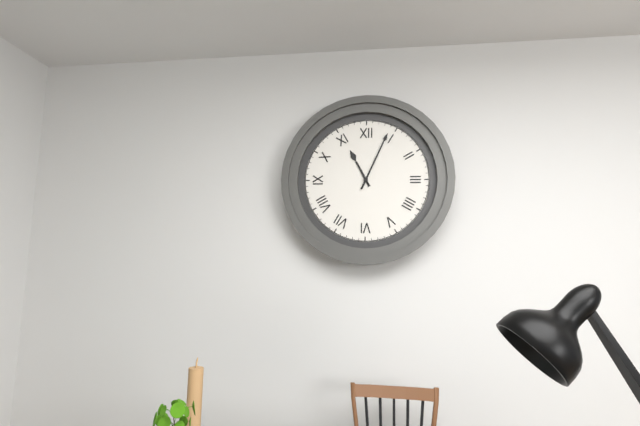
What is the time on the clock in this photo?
11:04
